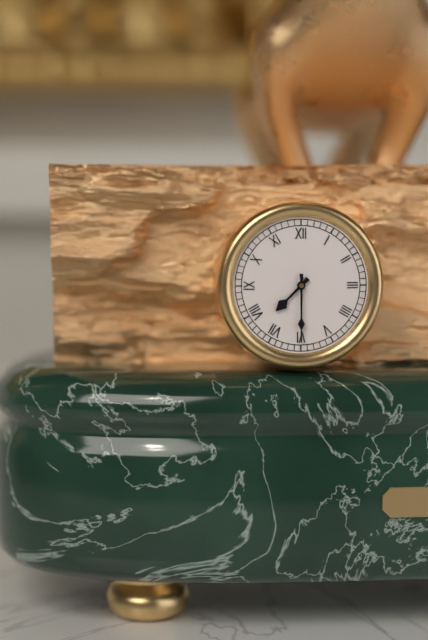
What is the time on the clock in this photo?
7:30
